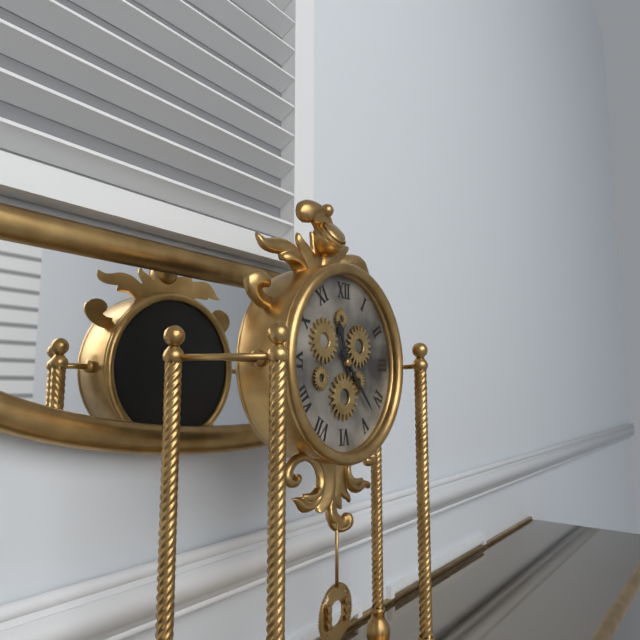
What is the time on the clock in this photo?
11:23
